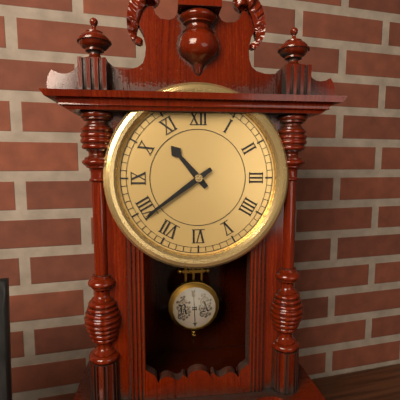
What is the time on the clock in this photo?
10:39
